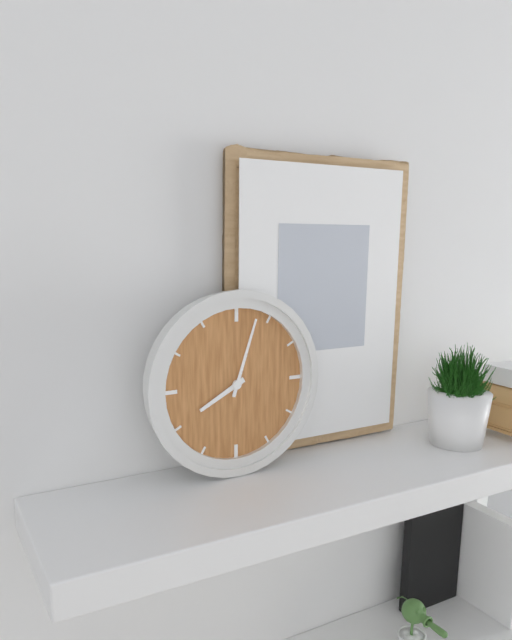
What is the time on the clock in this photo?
8:03
